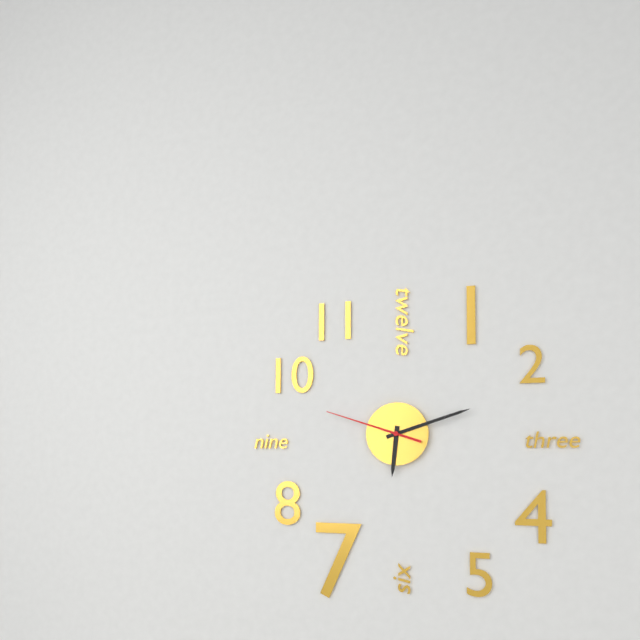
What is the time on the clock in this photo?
6:12:48
